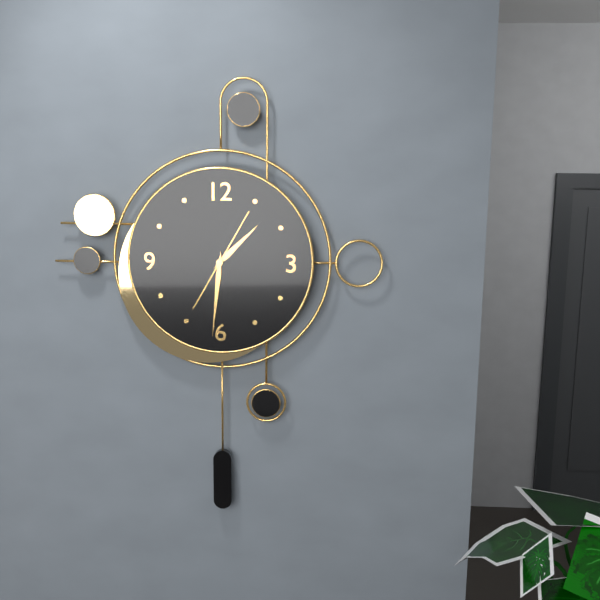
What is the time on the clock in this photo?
1:31:05
